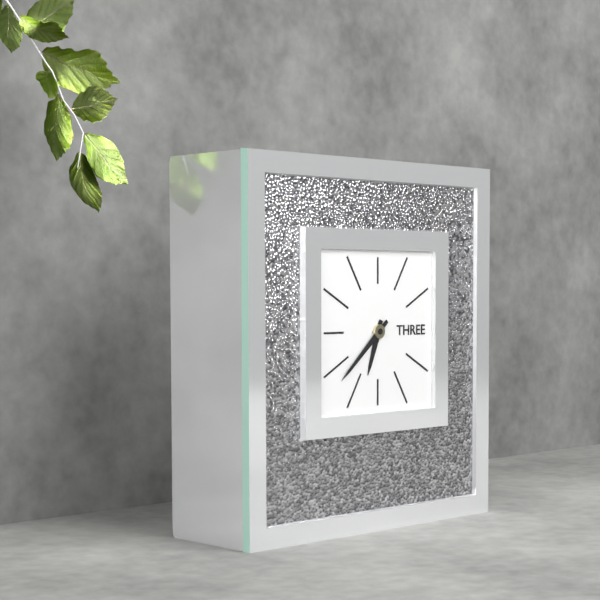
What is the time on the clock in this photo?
6:38
